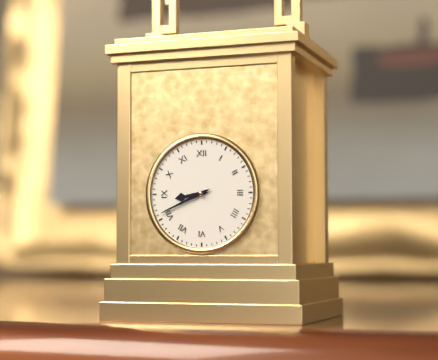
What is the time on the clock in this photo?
8:41
